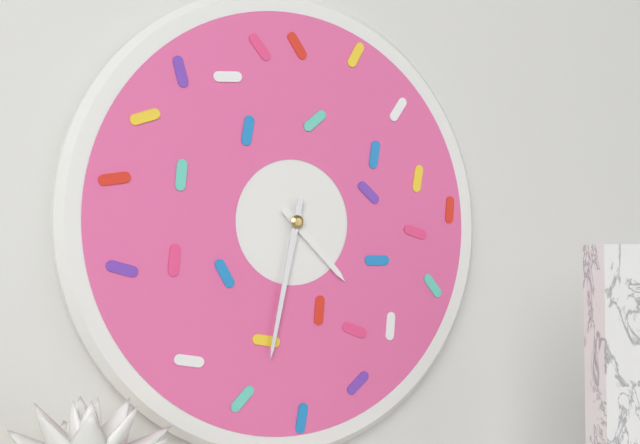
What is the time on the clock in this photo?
4:32
